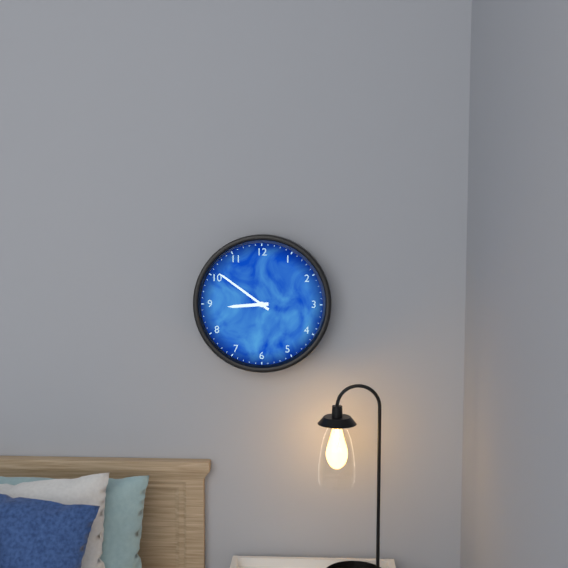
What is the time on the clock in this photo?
8:51
